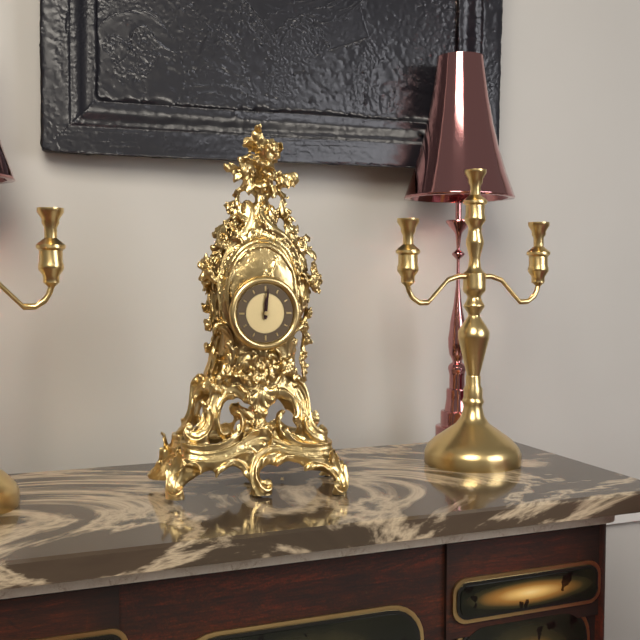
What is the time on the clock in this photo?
12:01
